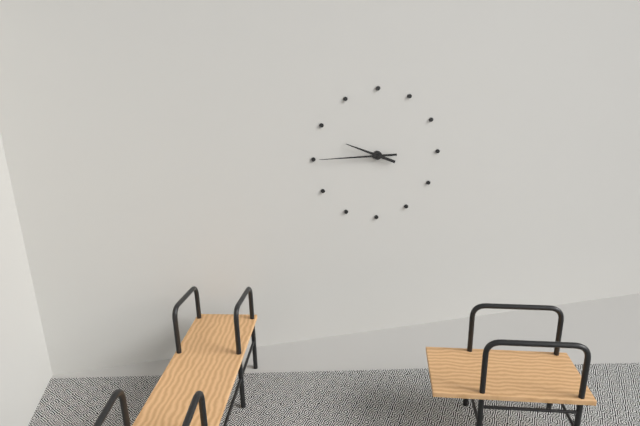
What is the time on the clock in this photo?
9:45
